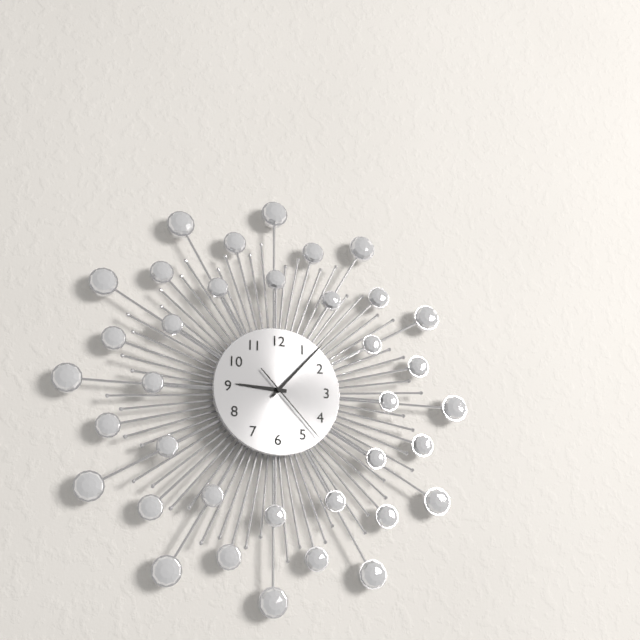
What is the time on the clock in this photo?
9:07:23
